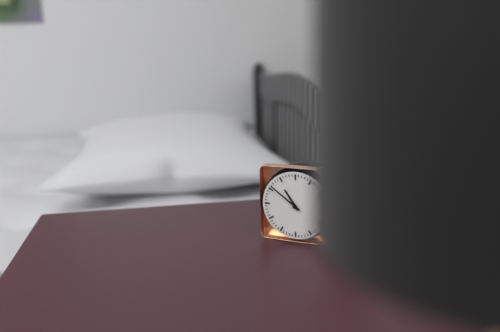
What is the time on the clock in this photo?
10:51
